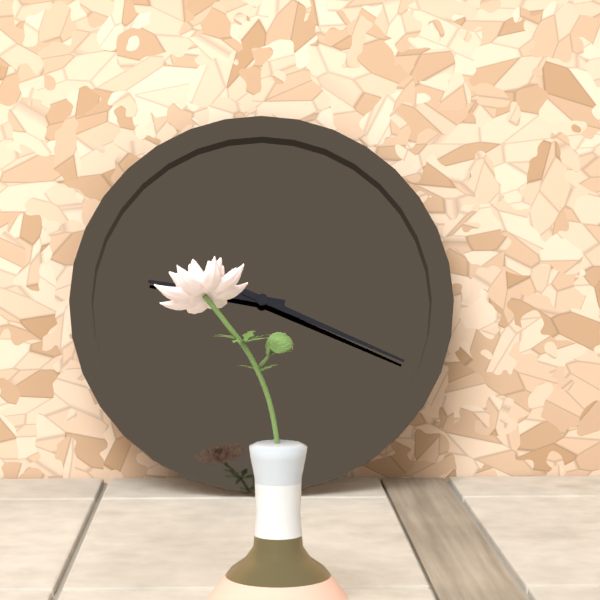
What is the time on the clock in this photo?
9:19
